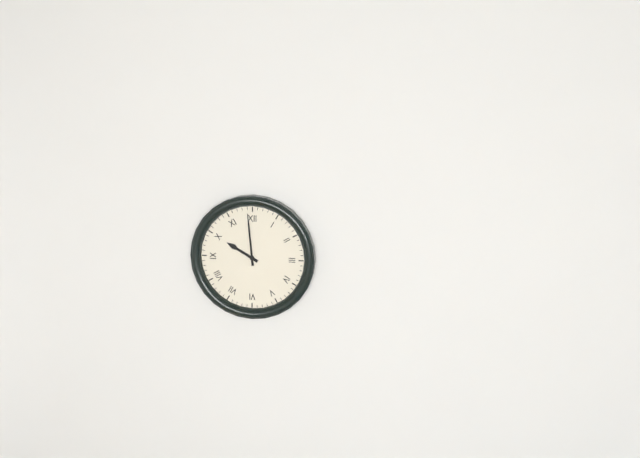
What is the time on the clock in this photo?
9:59
